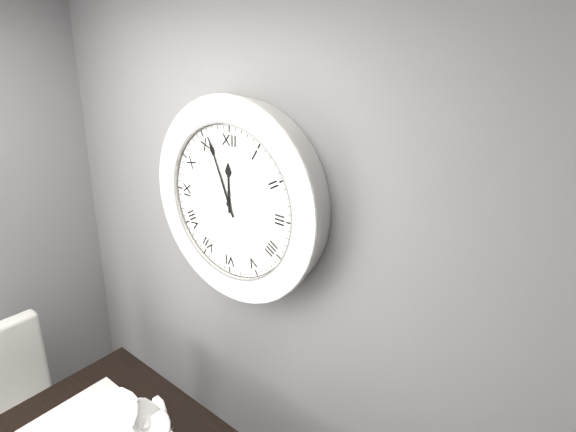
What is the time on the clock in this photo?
11:56
